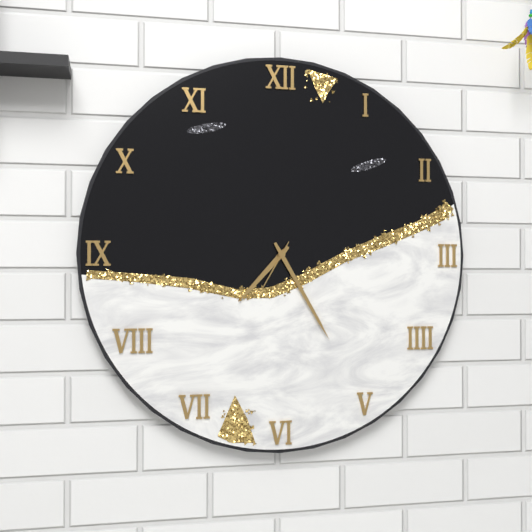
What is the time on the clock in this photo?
7:25:35
